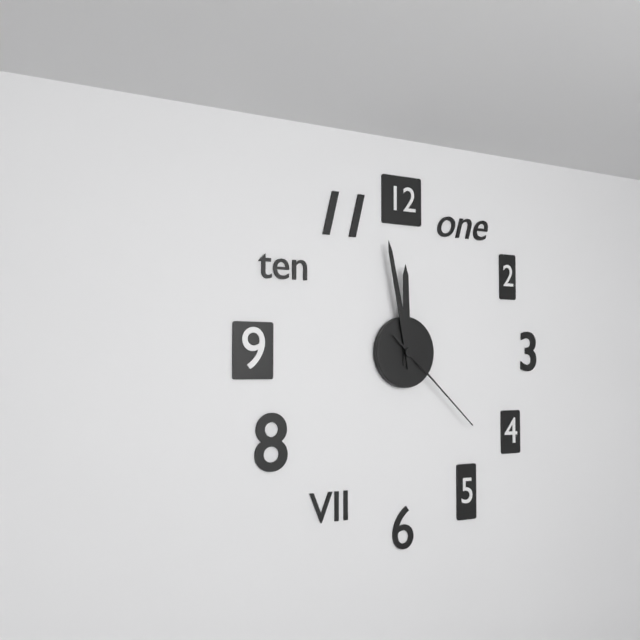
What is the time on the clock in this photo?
11:58:22
